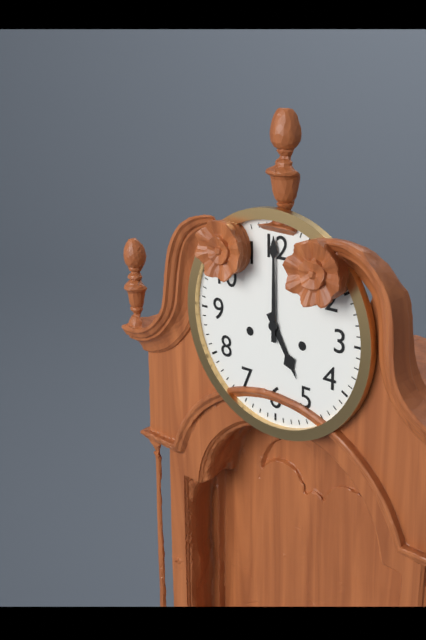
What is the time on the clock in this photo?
5:00
